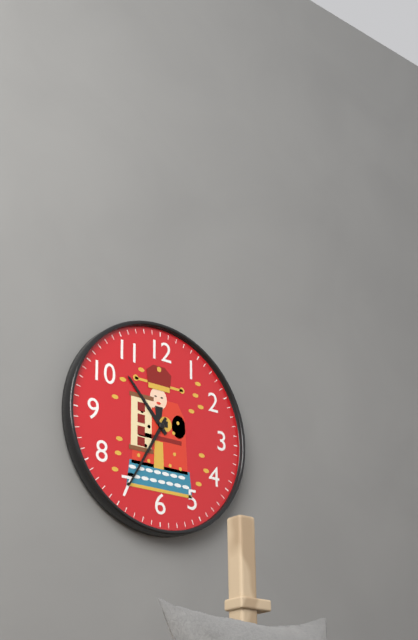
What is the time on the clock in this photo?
10:35
